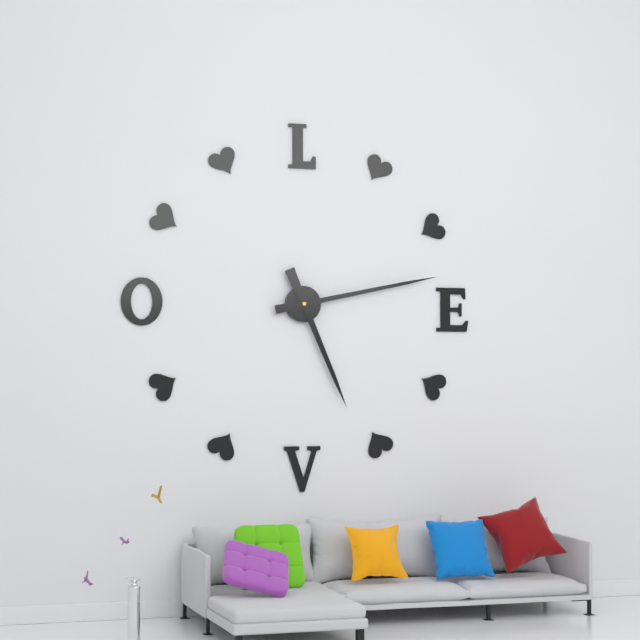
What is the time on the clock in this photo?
5:13
